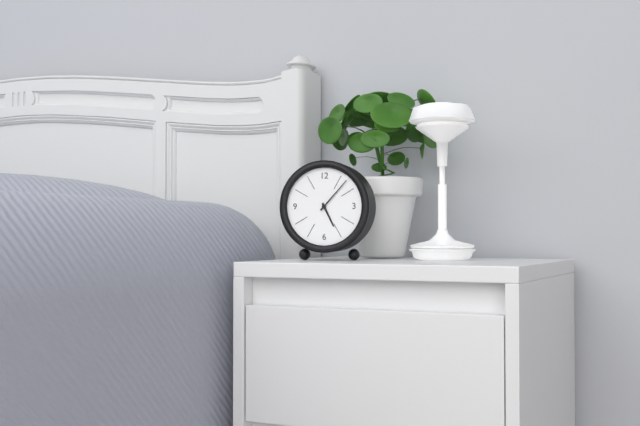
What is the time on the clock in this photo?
5:07
